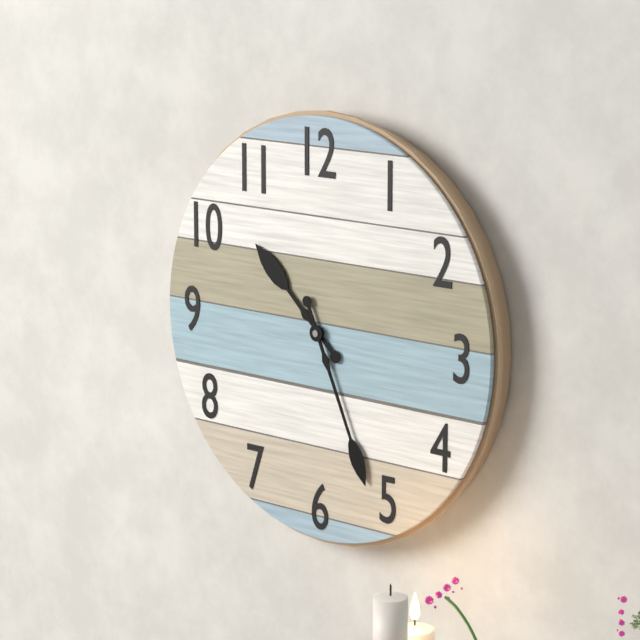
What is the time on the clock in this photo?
10:26
